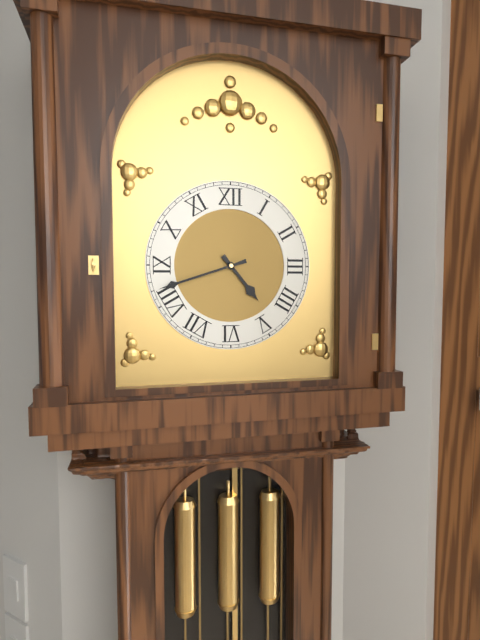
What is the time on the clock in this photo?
4:42
